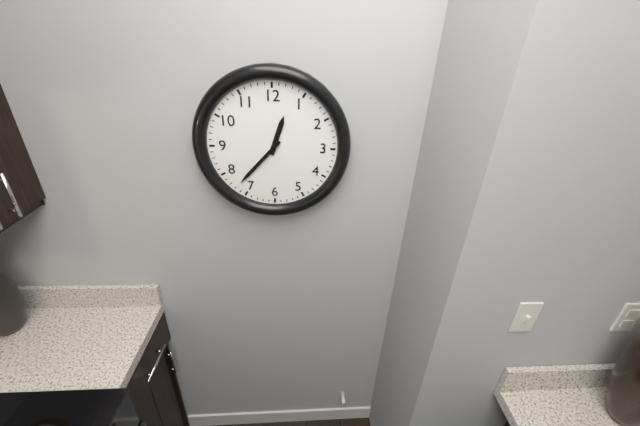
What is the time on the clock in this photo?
12:37
